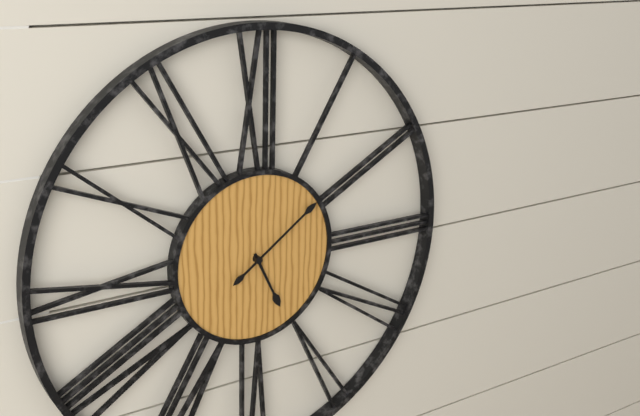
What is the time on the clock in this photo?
5:09
